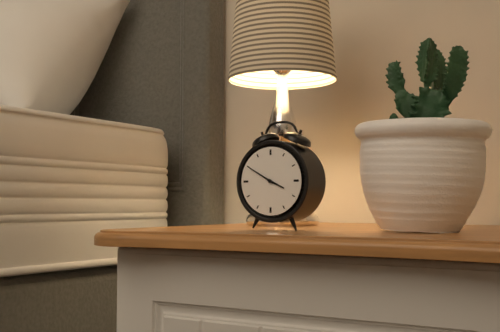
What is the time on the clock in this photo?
3:50
